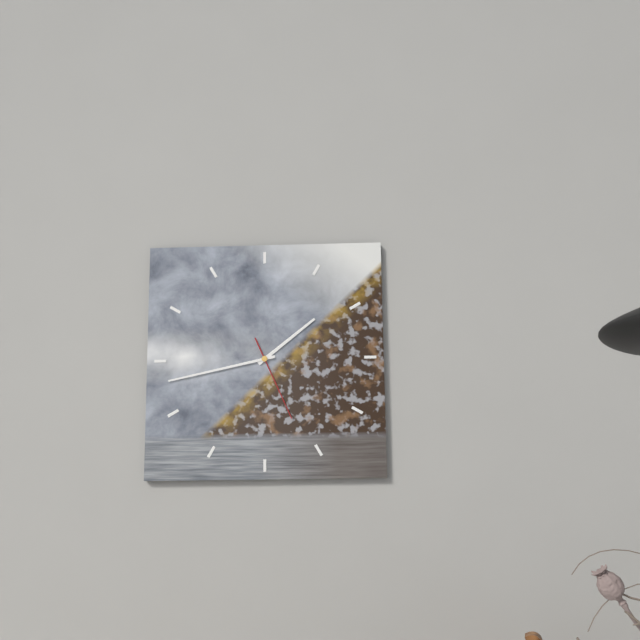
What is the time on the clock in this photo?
1:43:26
